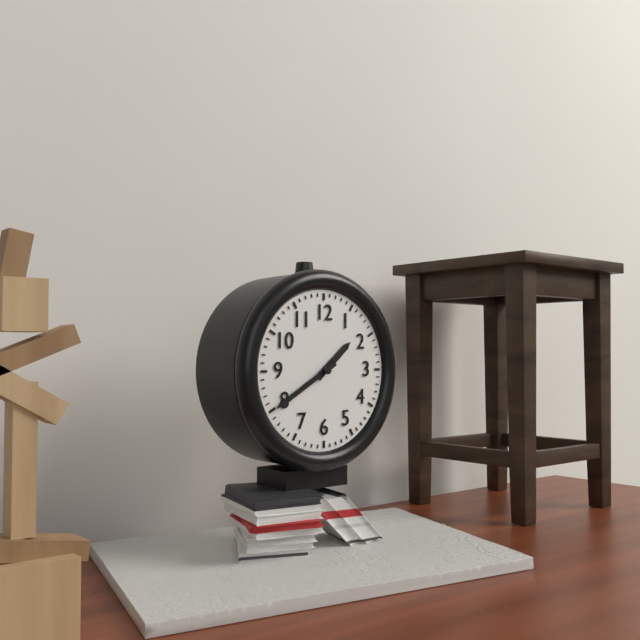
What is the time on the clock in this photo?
1:40
